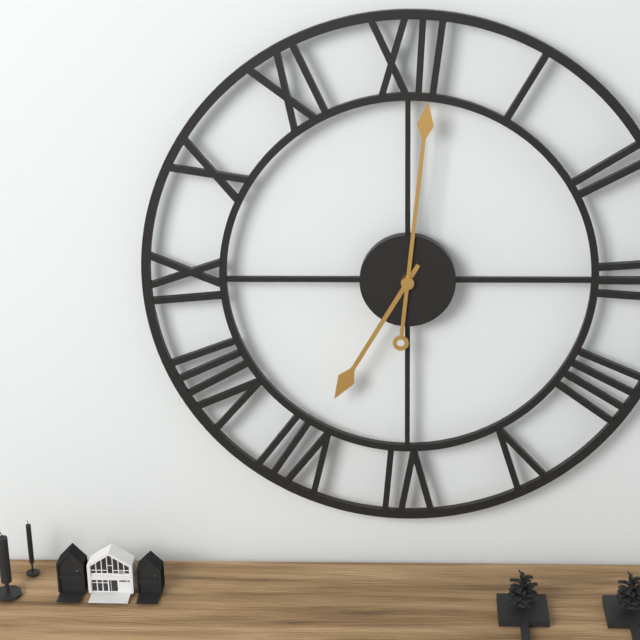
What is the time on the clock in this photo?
7:01
